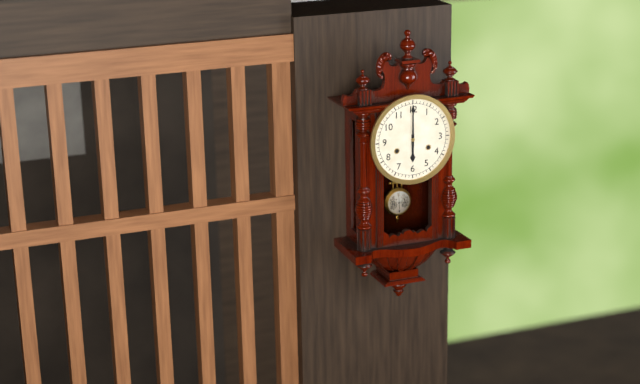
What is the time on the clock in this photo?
6:00
